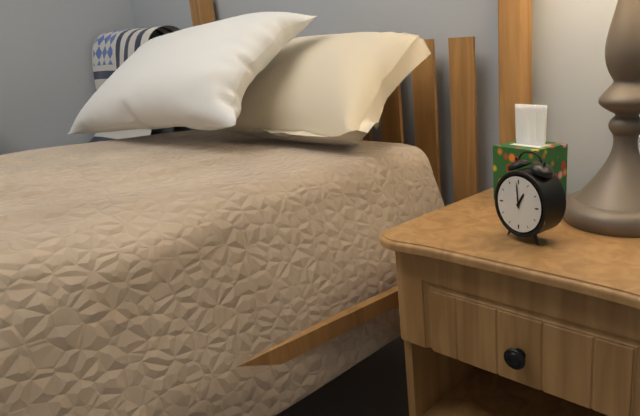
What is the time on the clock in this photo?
12:59
